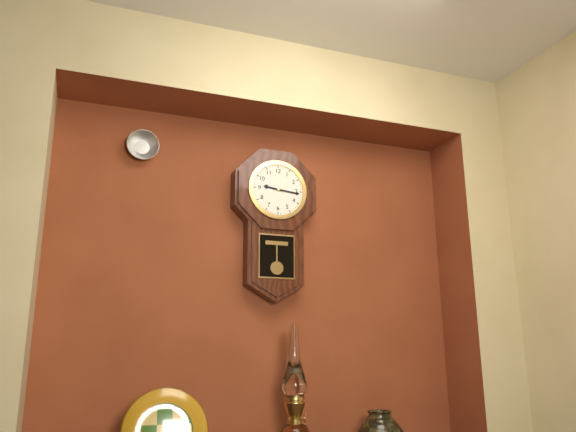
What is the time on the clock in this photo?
9:16
